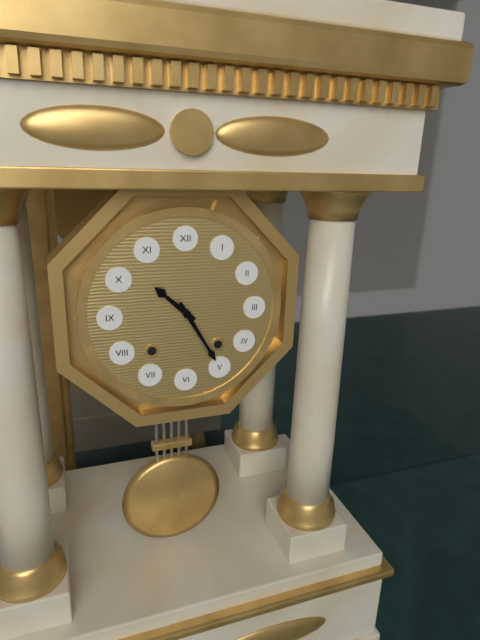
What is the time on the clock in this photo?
10:25
